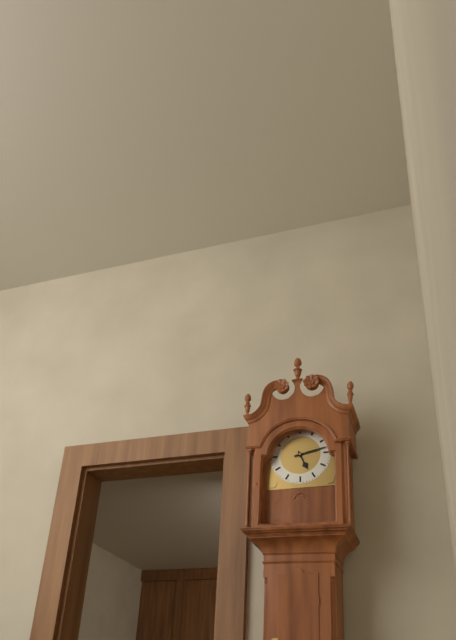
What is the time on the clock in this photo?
5:13
